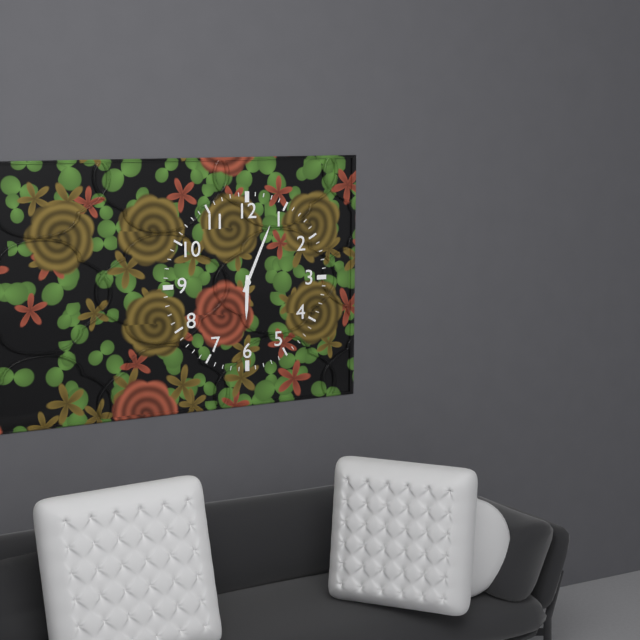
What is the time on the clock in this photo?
6:04
